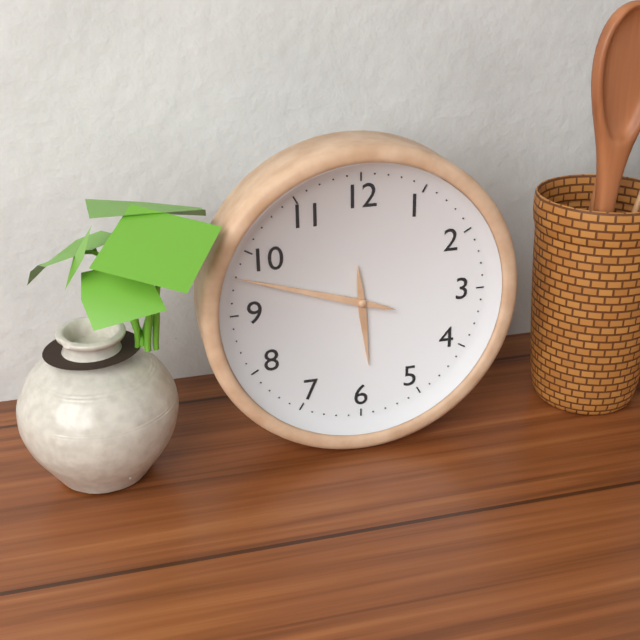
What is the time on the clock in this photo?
5:48
